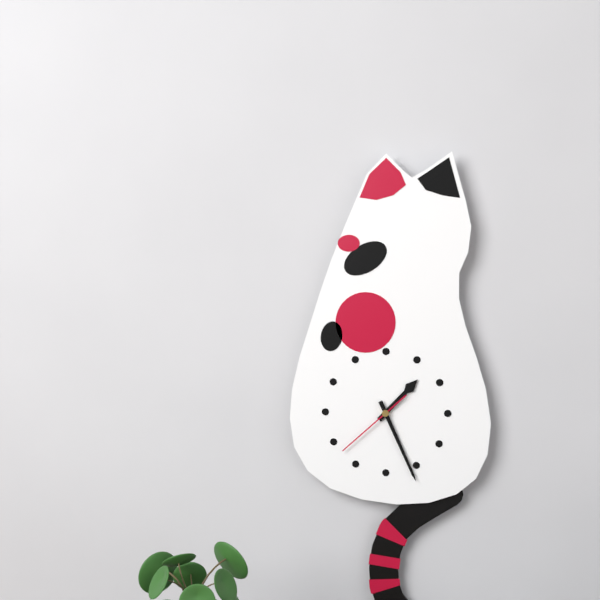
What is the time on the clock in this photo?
1:26:38
